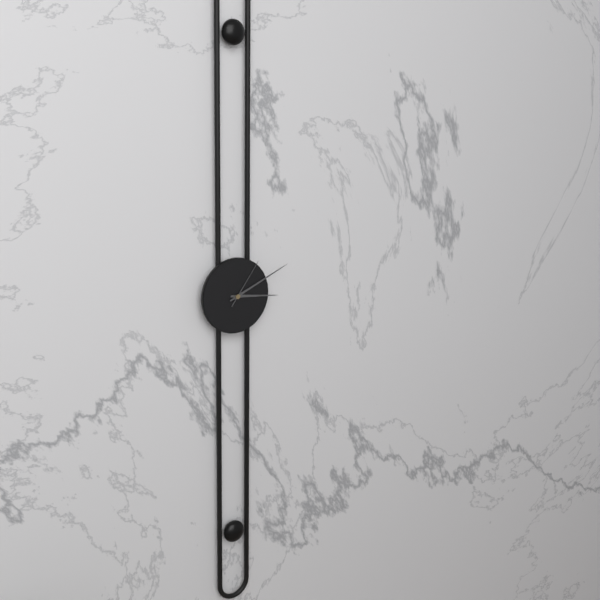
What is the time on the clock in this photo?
3:11:06
